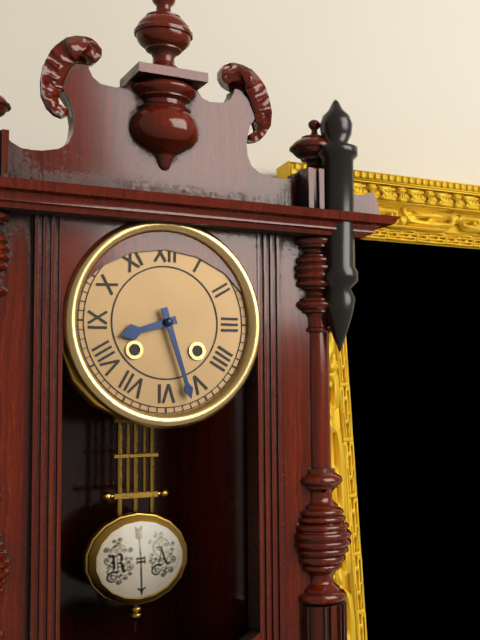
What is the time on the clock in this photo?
8:27
